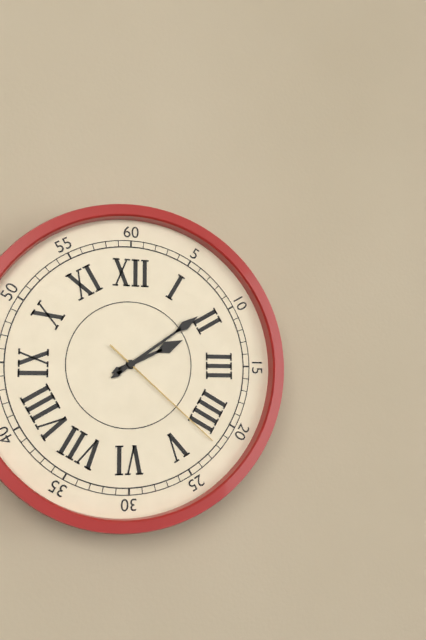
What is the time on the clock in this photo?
2:09:22
